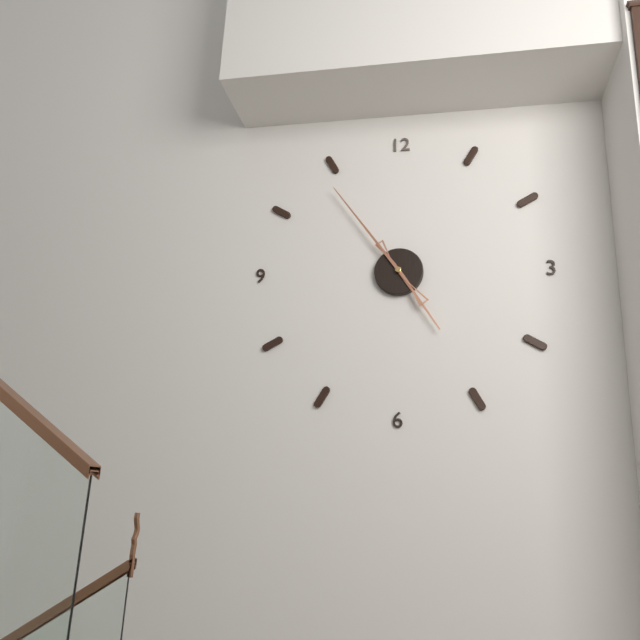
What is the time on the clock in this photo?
4:54
